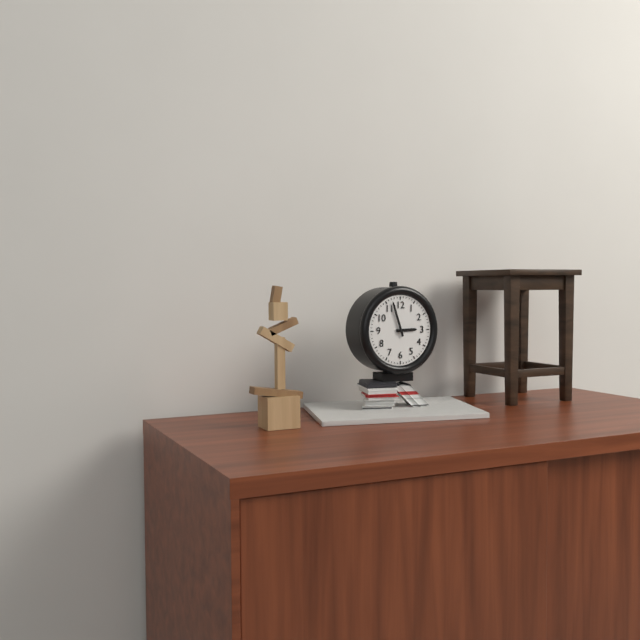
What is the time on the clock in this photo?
2:57
